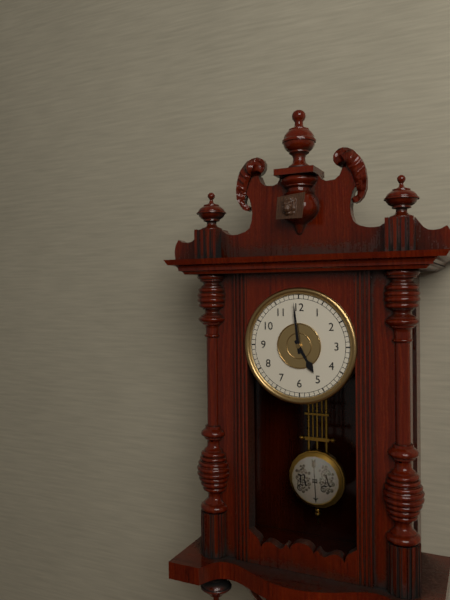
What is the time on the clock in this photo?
4:59
